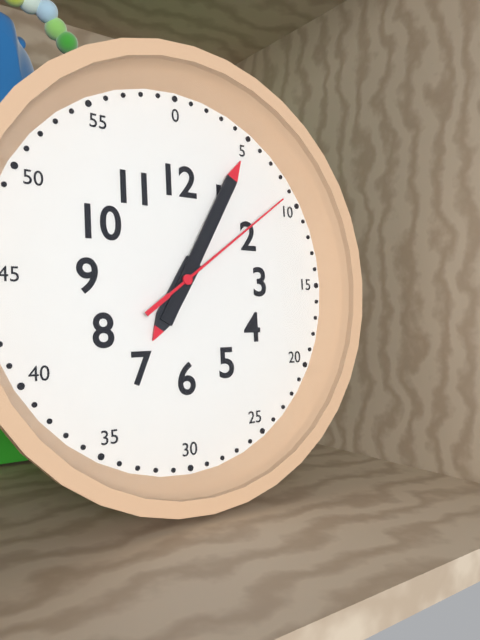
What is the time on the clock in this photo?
7:05:09
